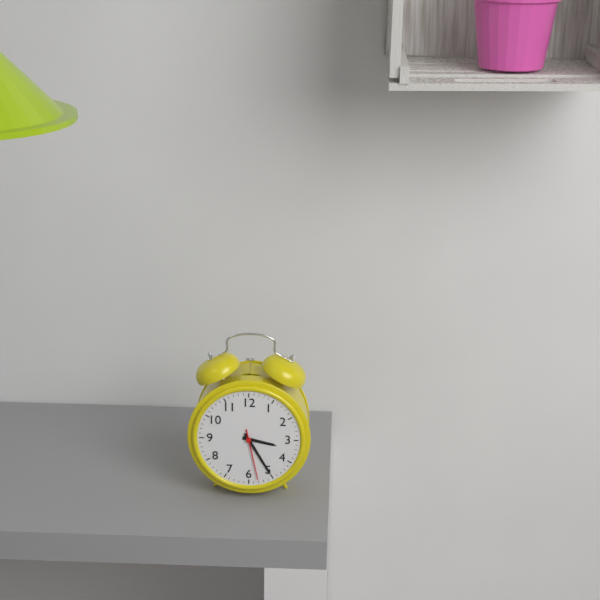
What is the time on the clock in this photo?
3:25:28
